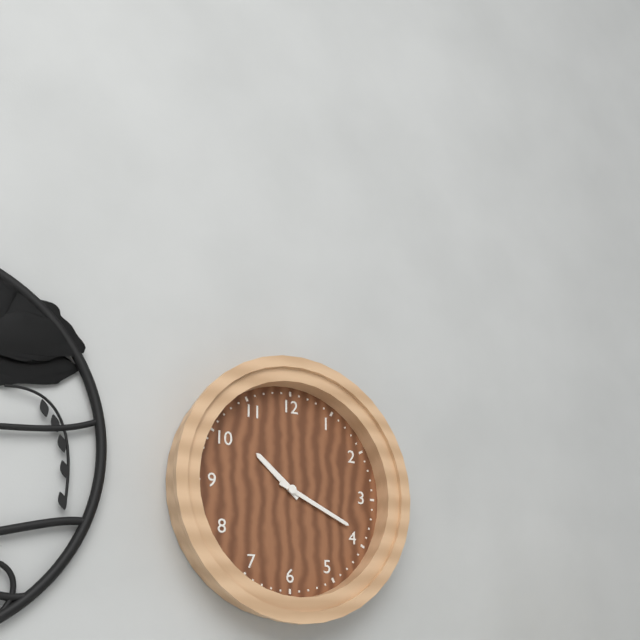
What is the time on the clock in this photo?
10:19
